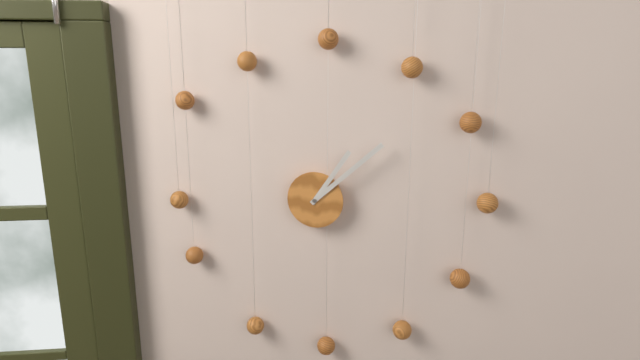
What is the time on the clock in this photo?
1:08
